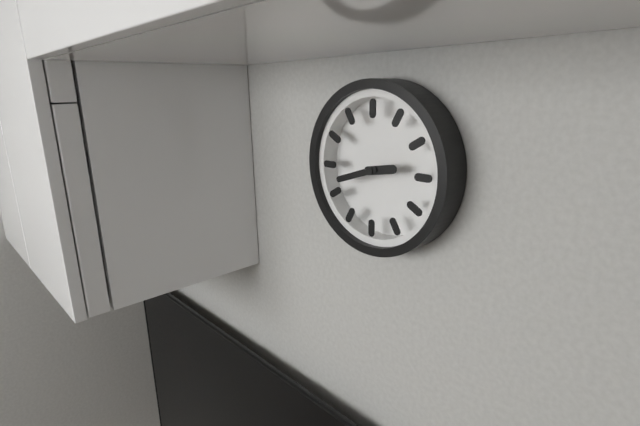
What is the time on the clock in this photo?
2:42
